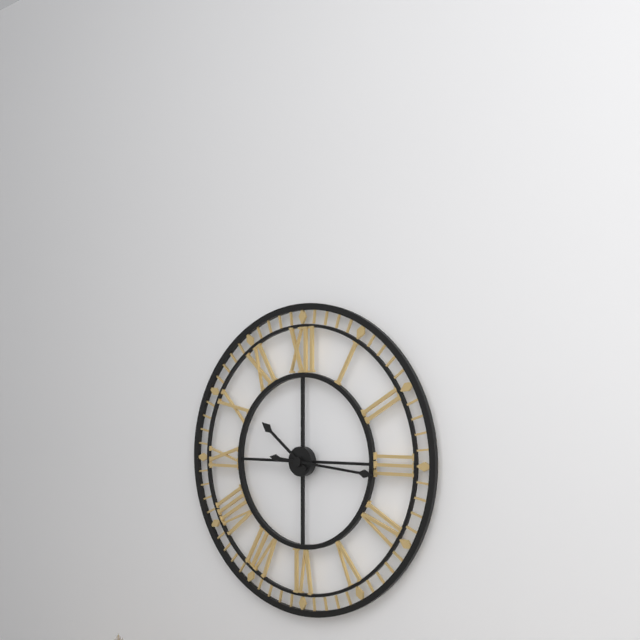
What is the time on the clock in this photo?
10:16
